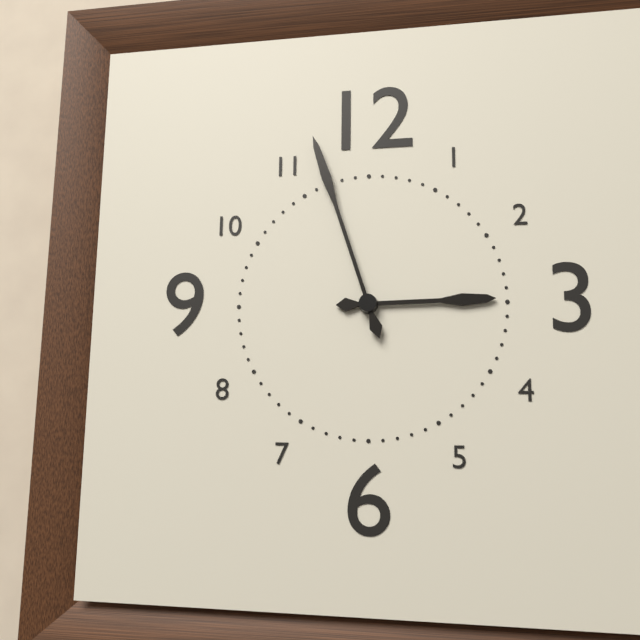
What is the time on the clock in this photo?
2:57
